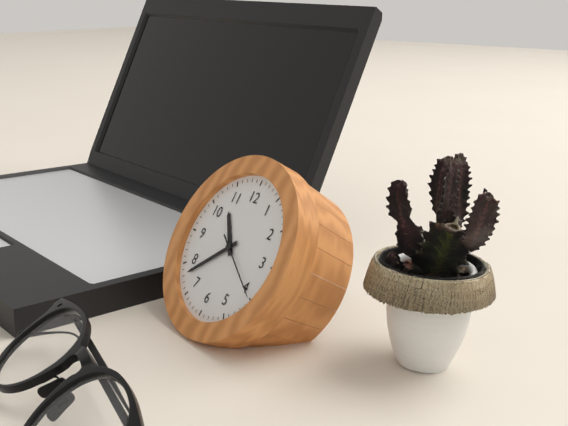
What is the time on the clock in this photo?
10:38:20
